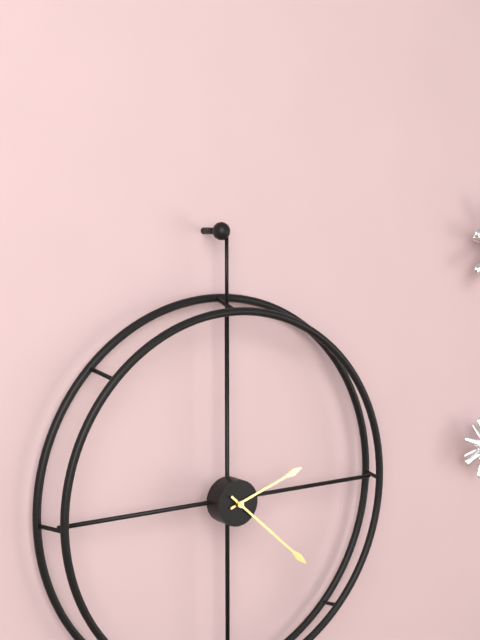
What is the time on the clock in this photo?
2:22
